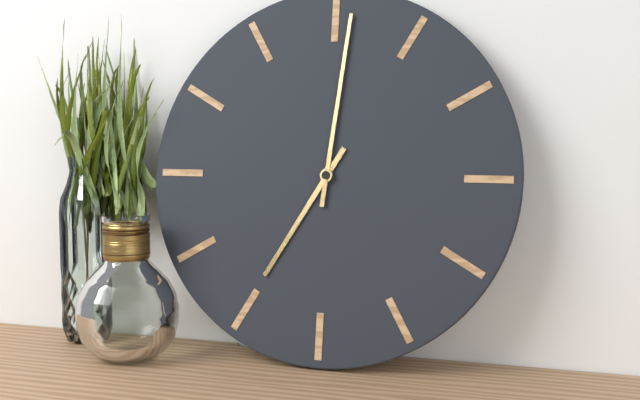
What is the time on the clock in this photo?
7:01
